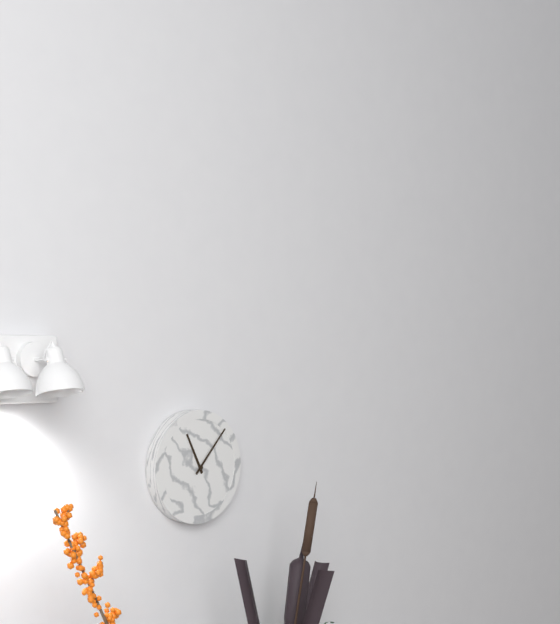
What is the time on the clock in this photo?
11:07
